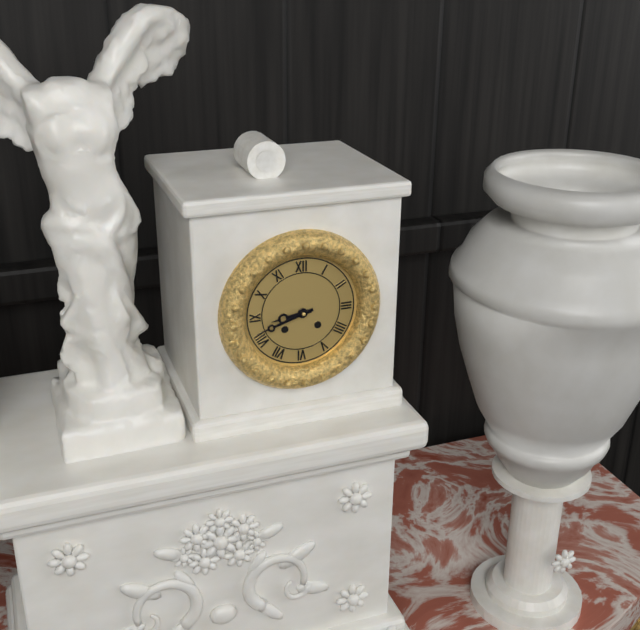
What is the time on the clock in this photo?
8:42
